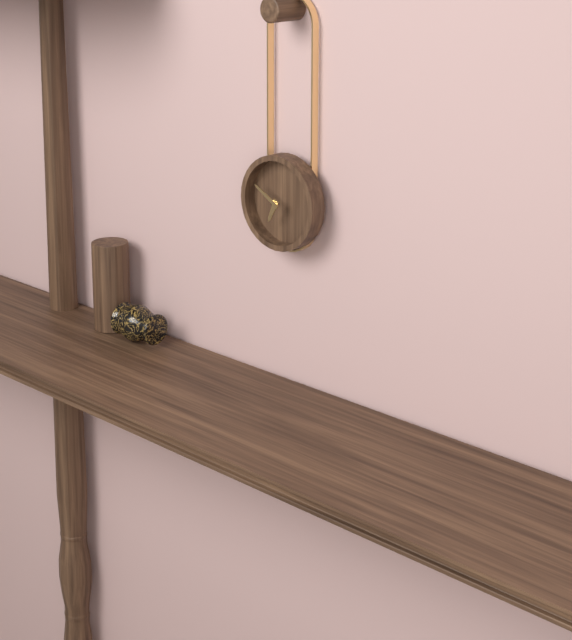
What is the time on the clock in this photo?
6:50
